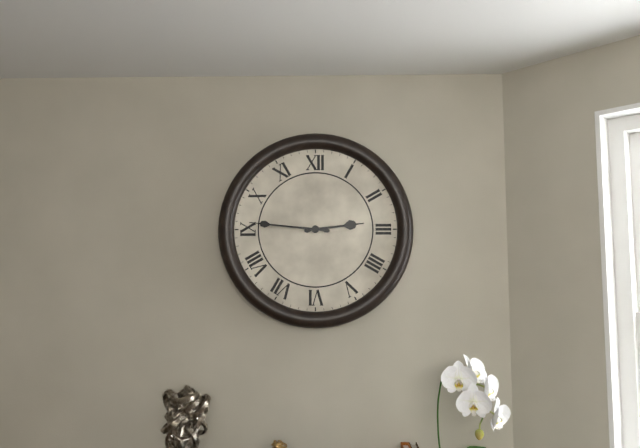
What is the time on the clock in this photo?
2:46
